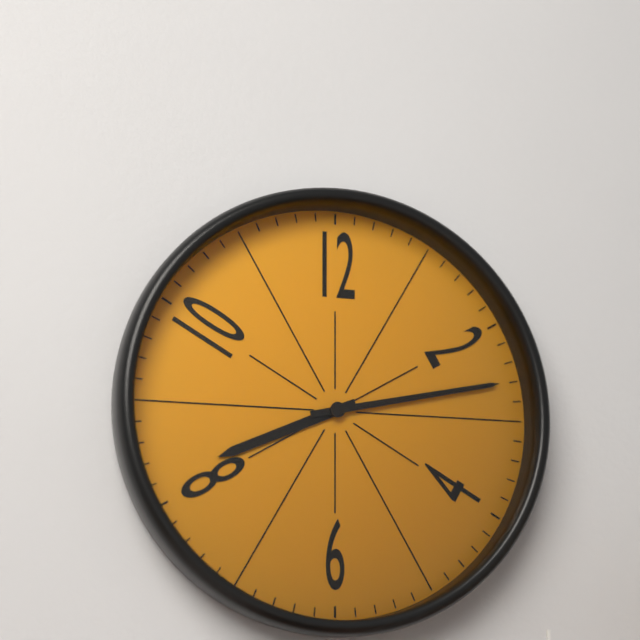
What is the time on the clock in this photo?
8:13
